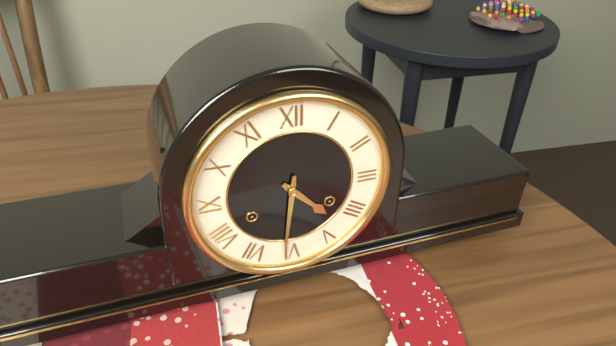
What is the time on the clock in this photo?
4:31
